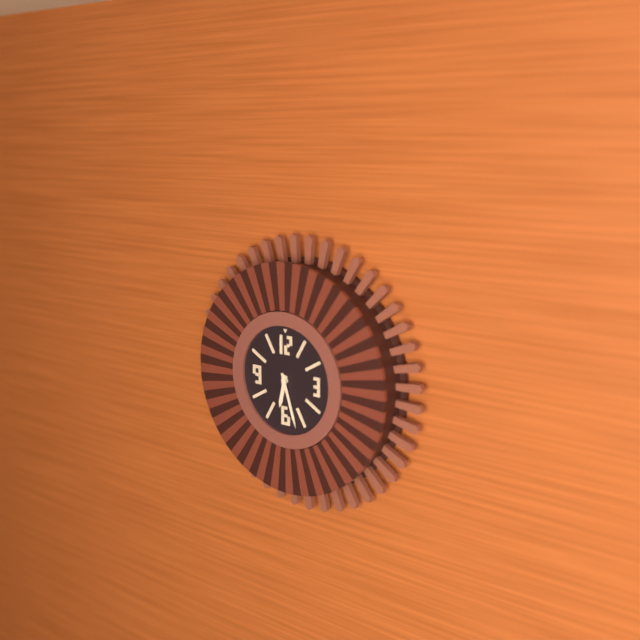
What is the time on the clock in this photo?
6:27
